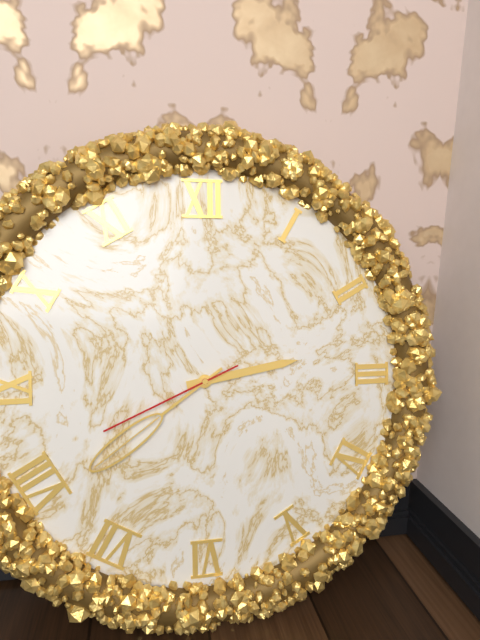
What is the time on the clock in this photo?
2:39:41
